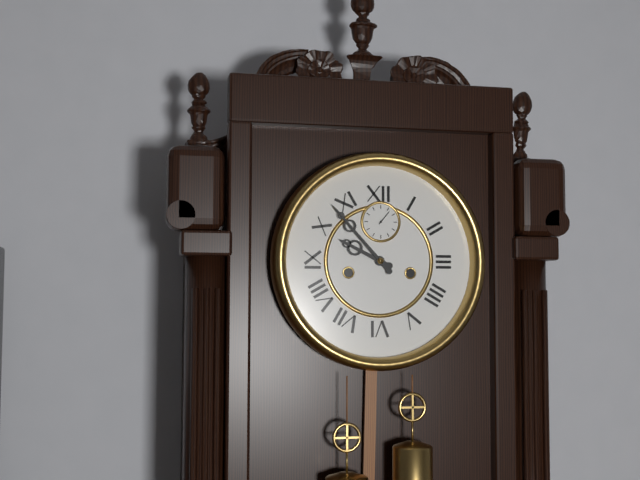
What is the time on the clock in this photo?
9:53
